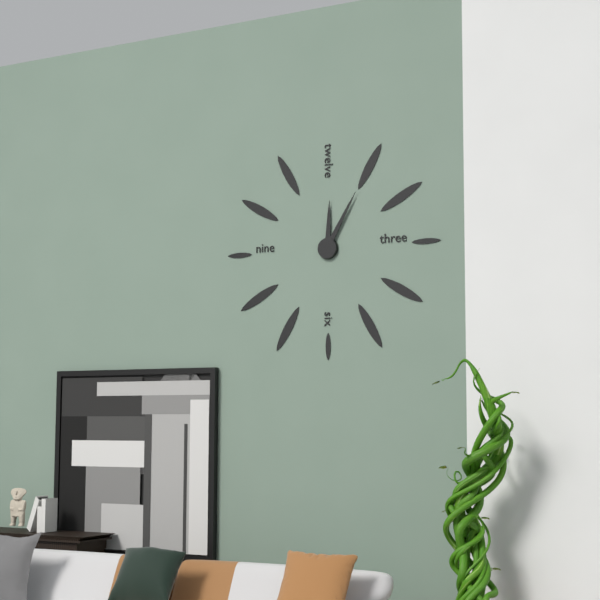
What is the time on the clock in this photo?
12:05
